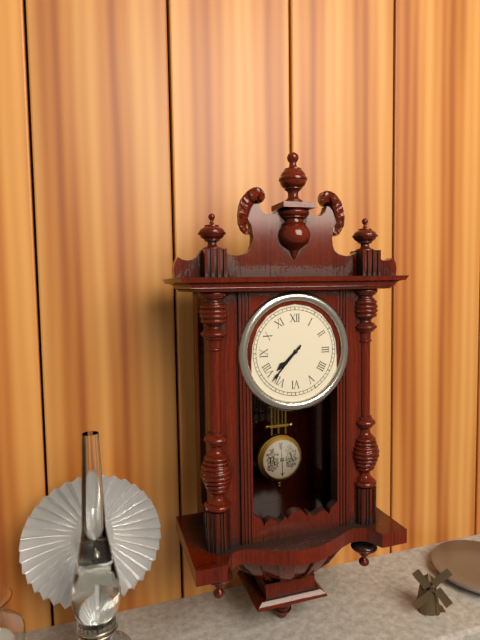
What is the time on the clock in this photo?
7:37
